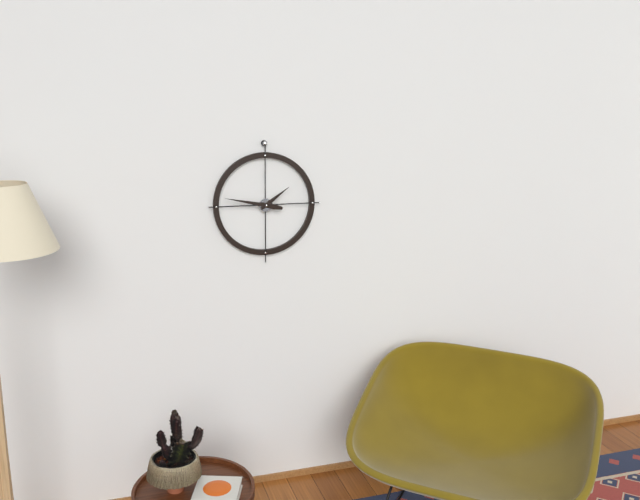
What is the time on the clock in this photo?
1:47
